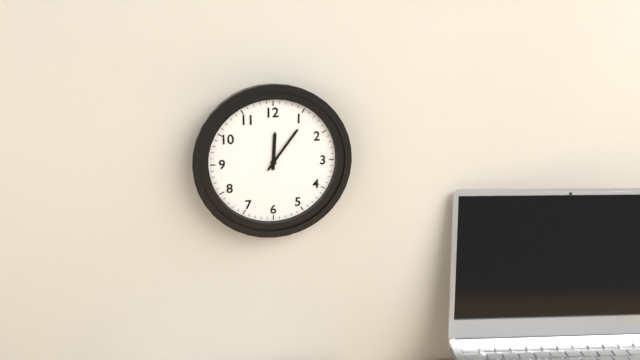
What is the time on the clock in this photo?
12:06
